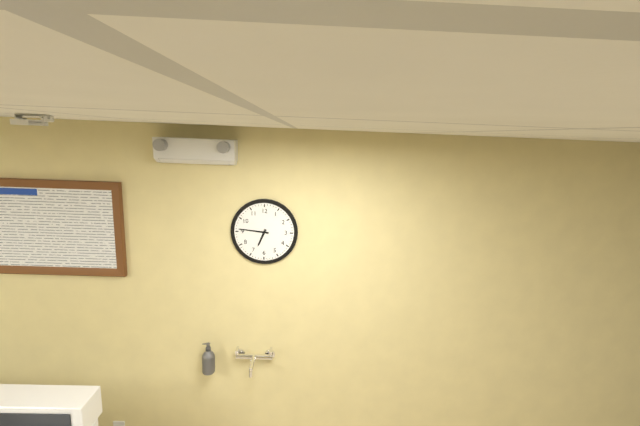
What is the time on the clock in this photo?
6:46
